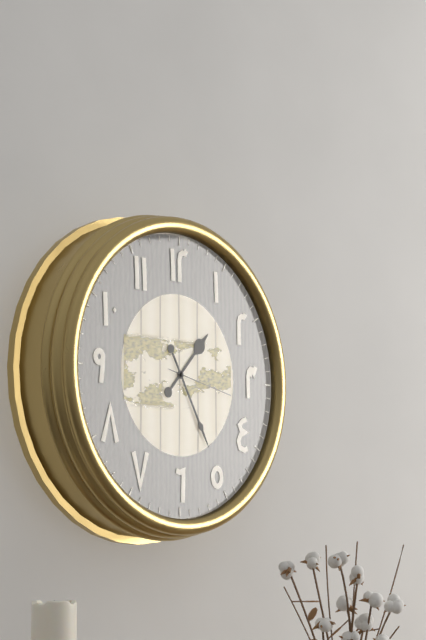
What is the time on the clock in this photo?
1:25:17
